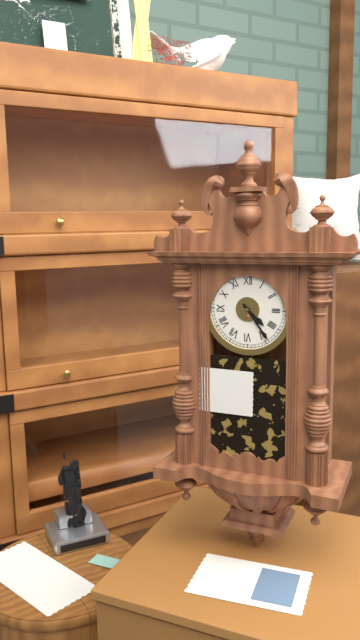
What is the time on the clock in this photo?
4:24
